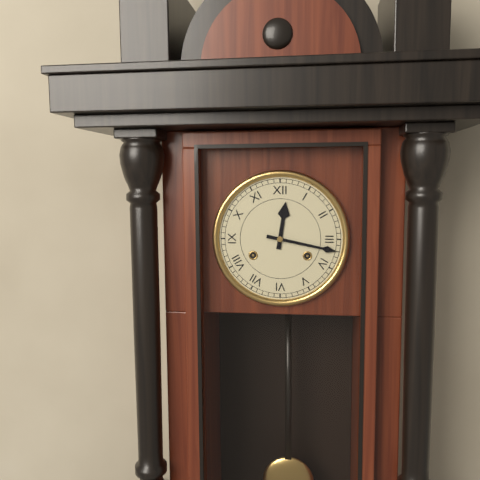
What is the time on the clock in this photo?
12:17
